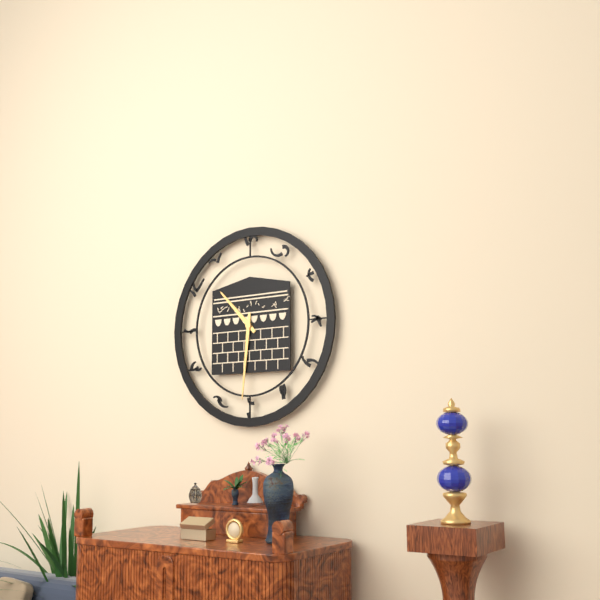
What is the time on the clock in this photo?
10:31
